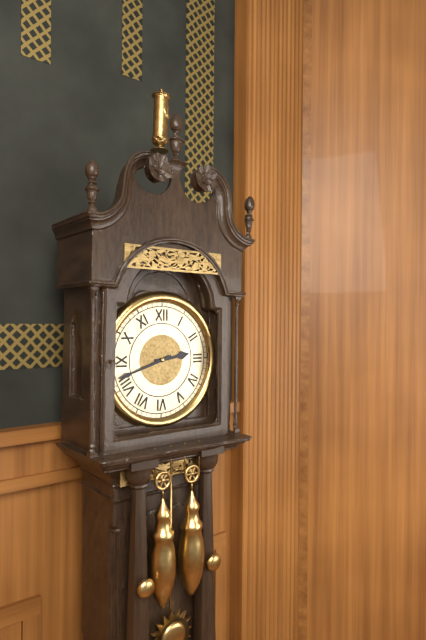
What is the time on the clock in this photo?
2:42
